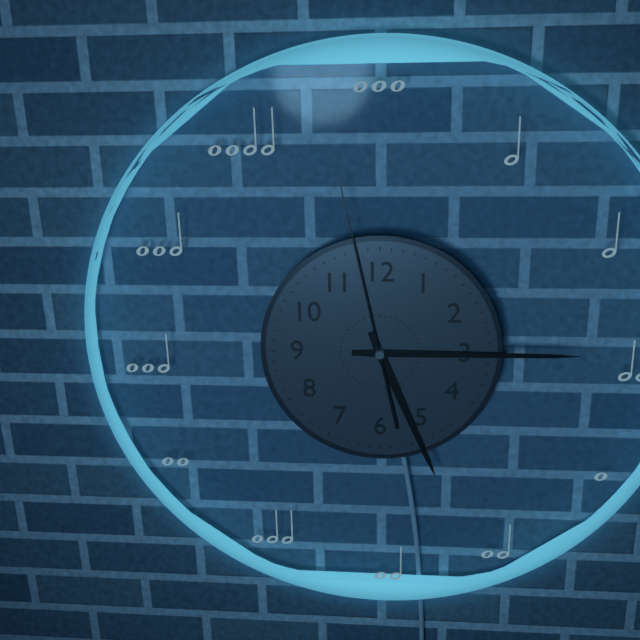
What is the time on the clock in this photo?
5:15:58
